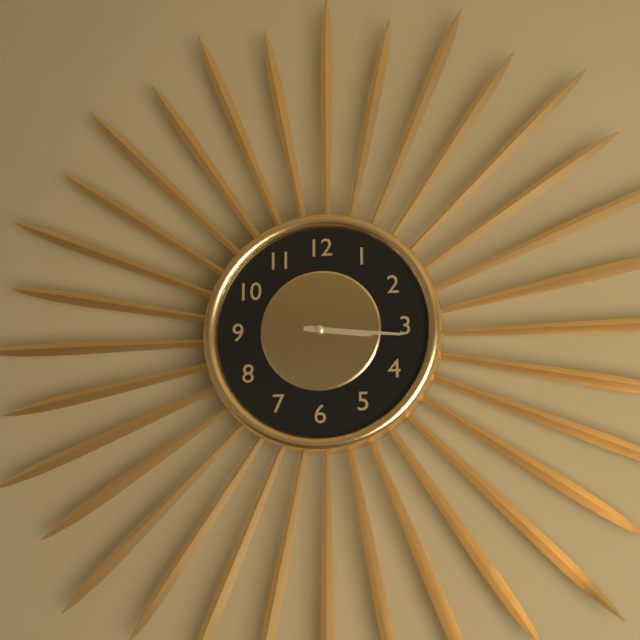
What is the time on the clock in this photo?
3:16
